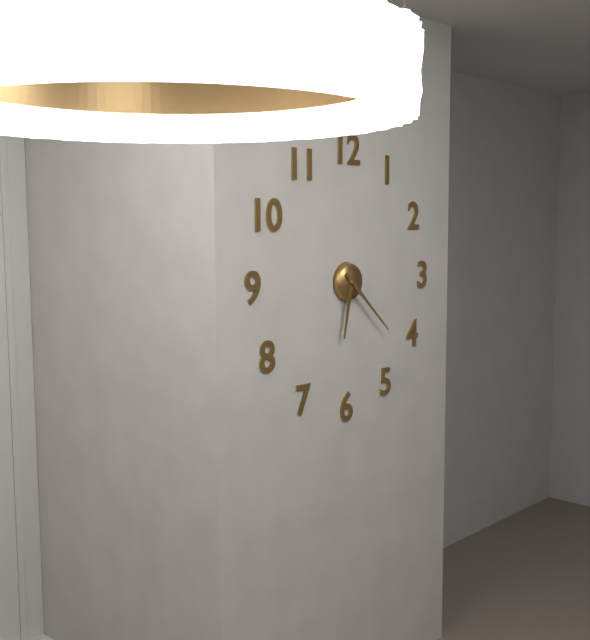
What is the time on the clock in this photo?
6:22
